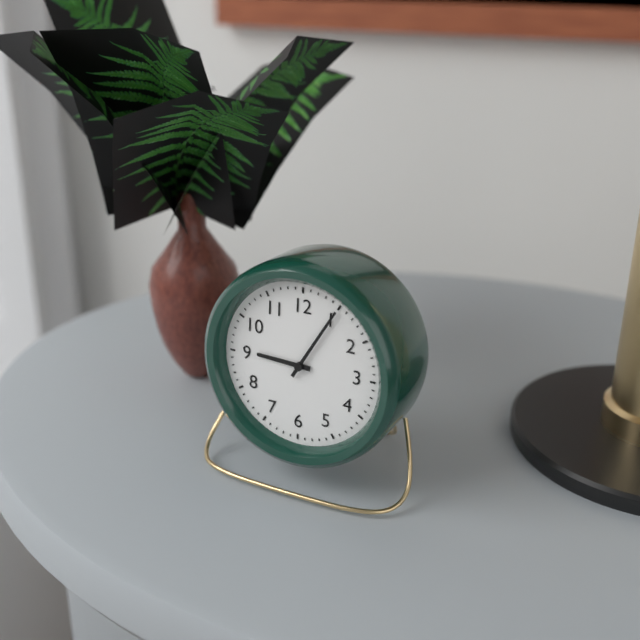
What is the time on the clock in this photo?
9:05
